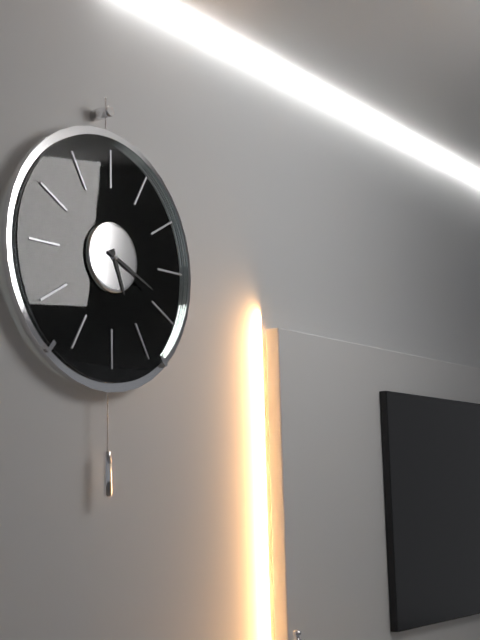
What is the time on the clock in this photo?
5:19
